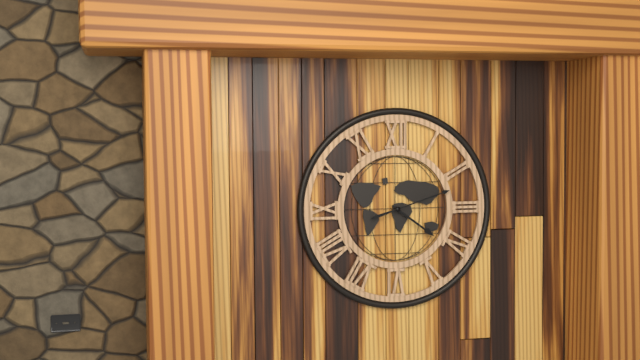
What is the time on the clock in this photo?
4:12
